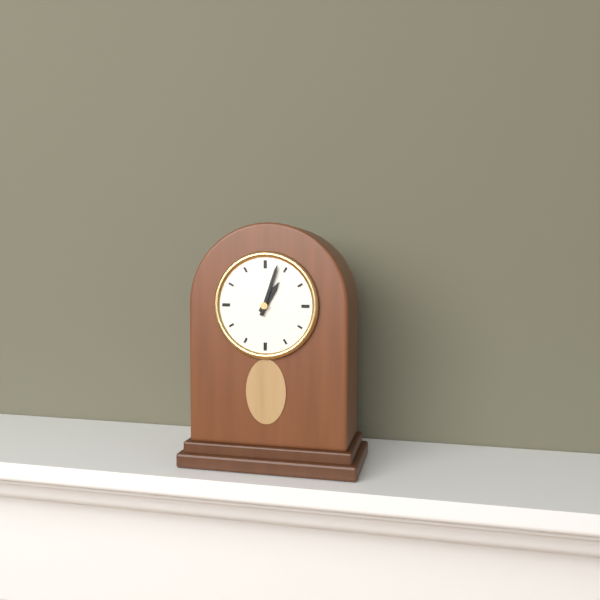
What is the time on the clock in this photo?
1:03
